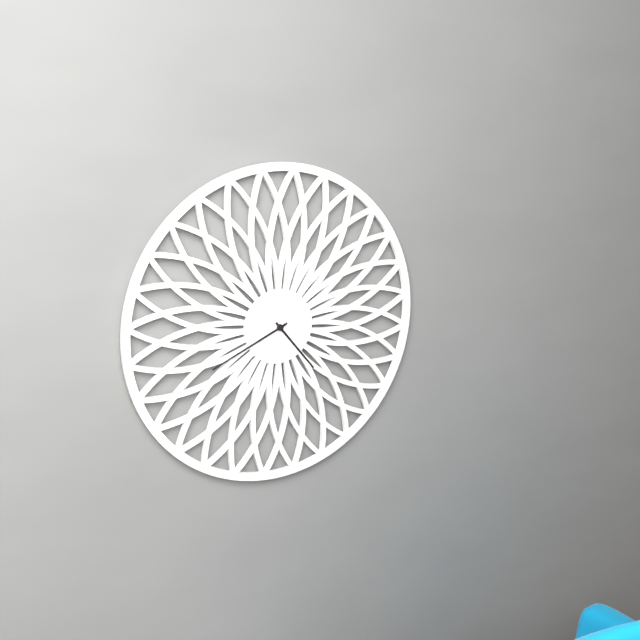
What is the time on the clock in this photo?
4:41
